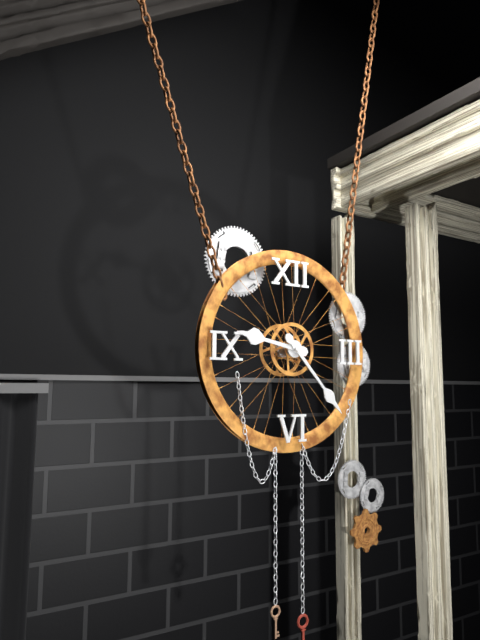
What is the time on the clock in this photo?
9:23
